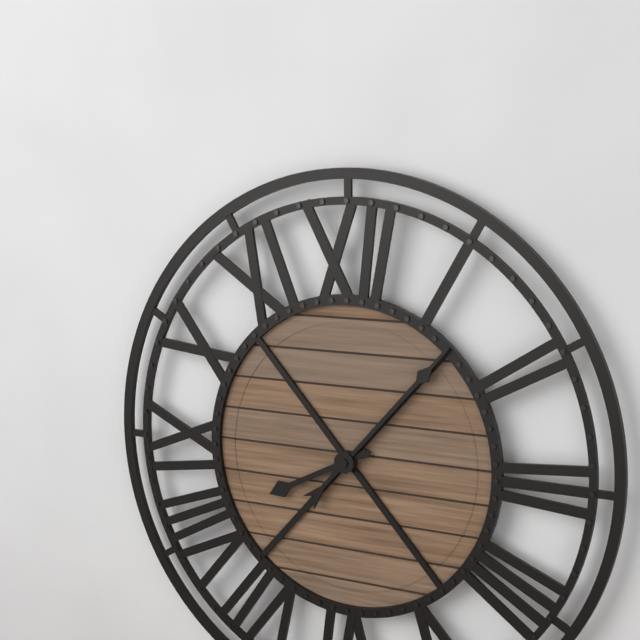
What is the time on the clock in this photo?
8:07
